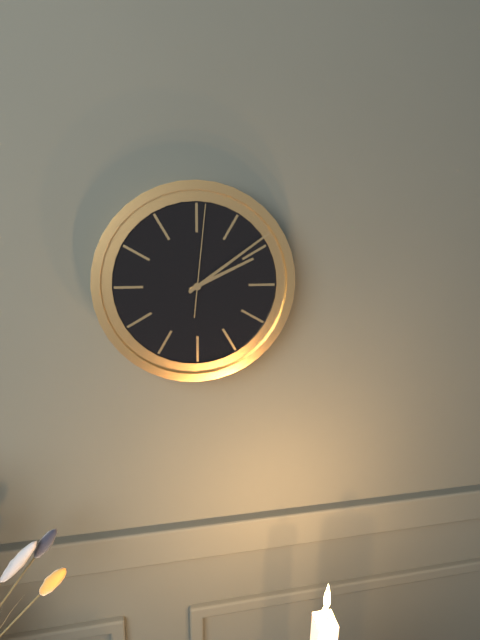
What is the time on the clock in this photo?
2:09:01
